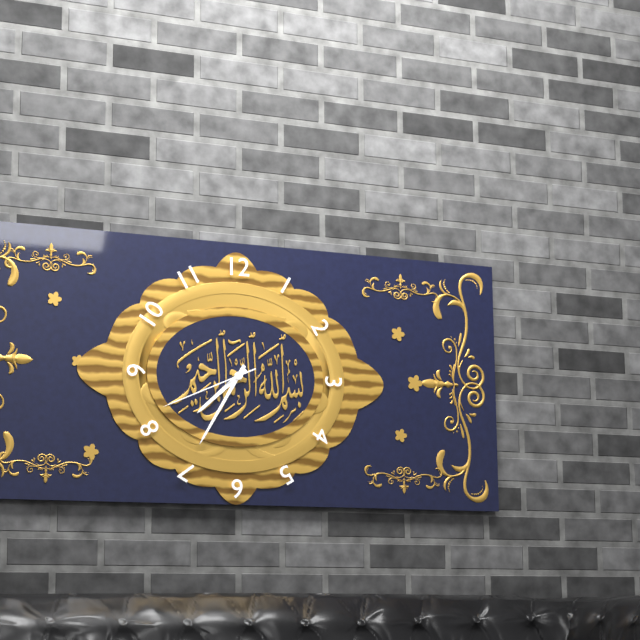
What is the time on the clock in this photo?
7:35:41
